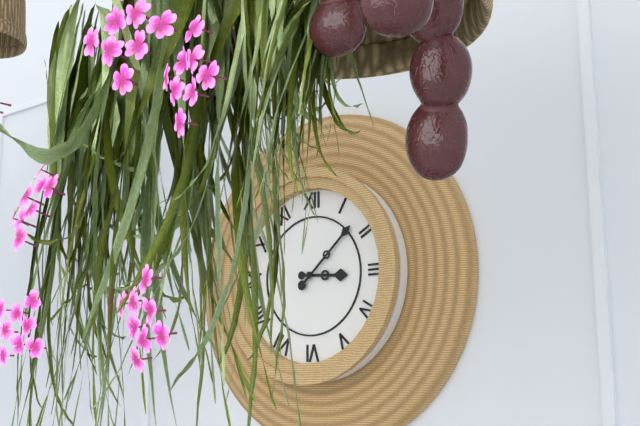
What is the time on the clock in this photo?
3:08
